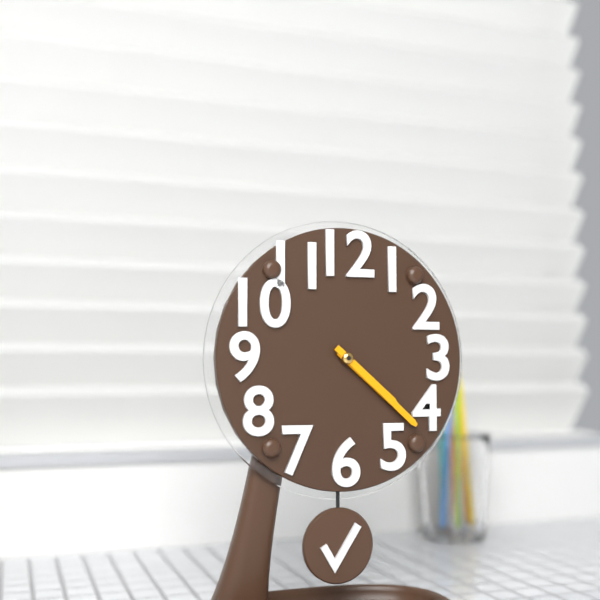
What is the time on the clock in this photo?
4:22
